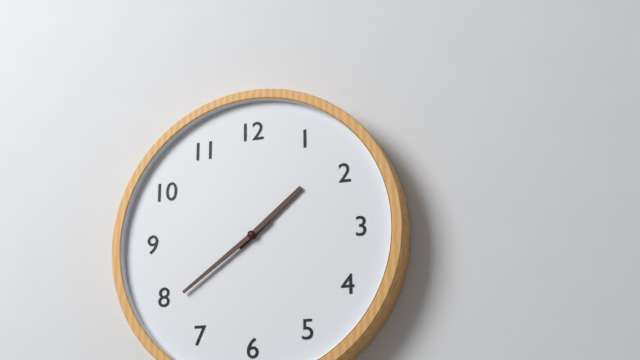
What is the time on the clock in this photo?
1:39
